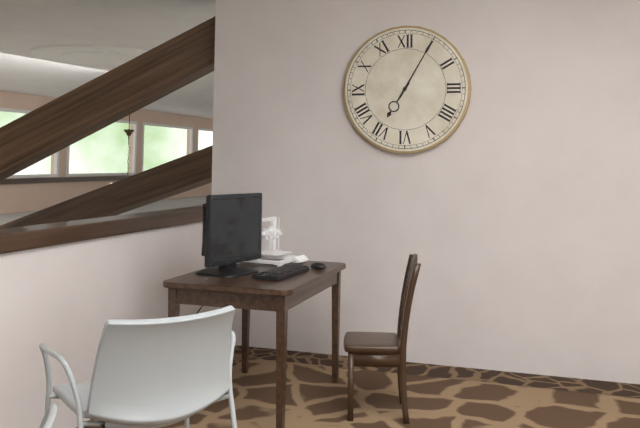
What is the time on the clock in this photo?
7:05
